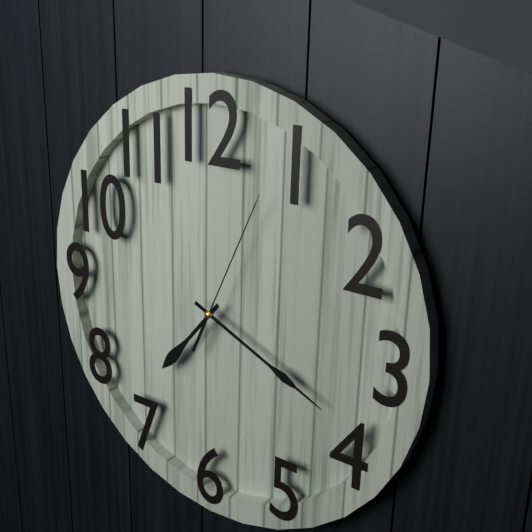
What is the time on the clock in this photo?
7:19:04
